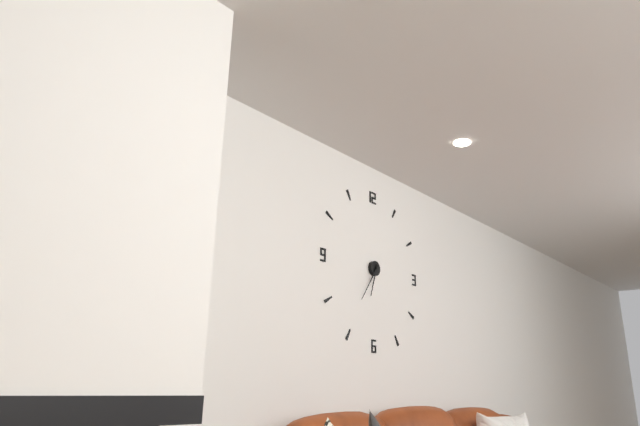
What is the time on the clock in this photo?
6:36
